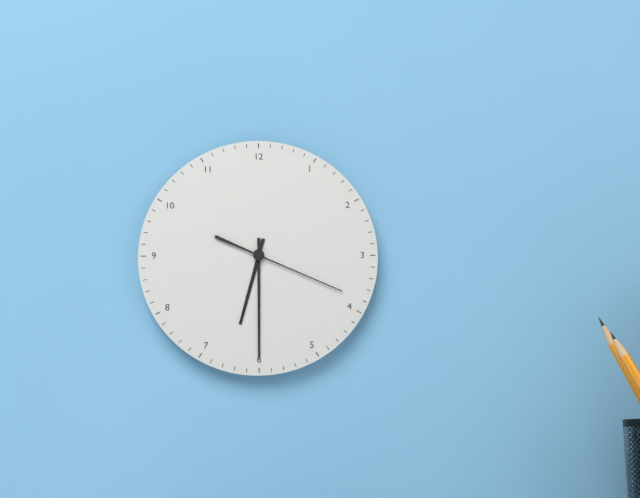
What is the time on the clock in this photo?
6:30:19
